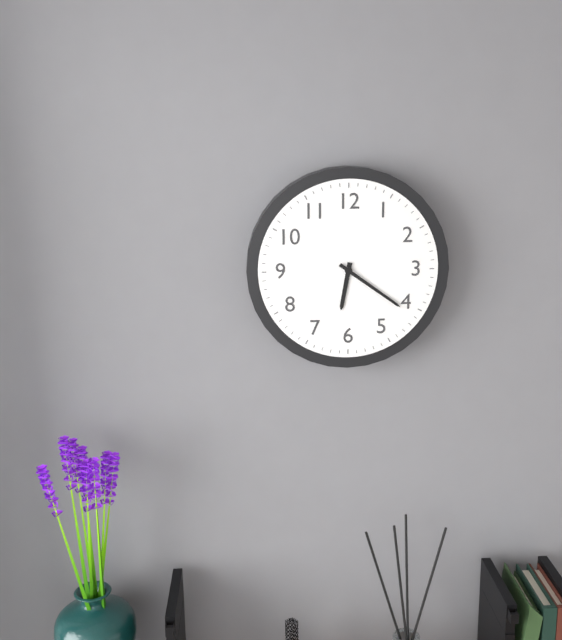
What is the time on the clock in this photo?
6:21
